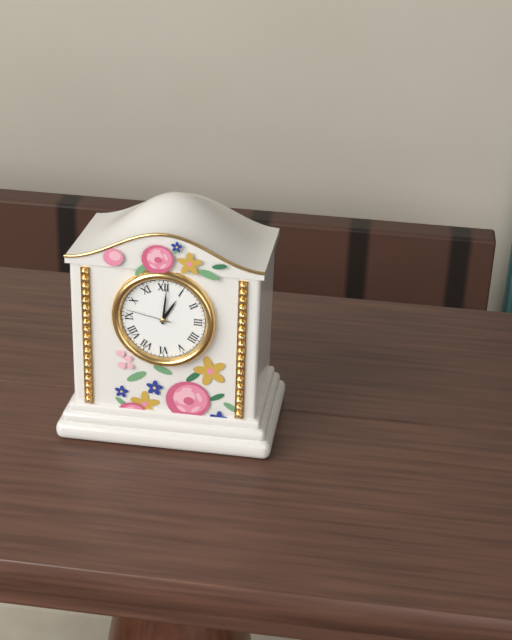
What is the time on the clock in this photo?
1:01
